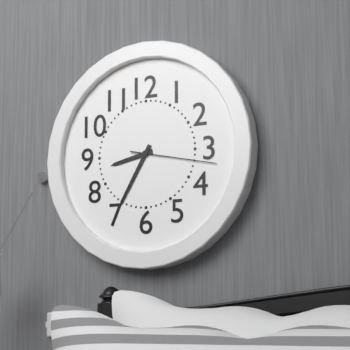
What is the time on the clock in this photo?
8:35:17
